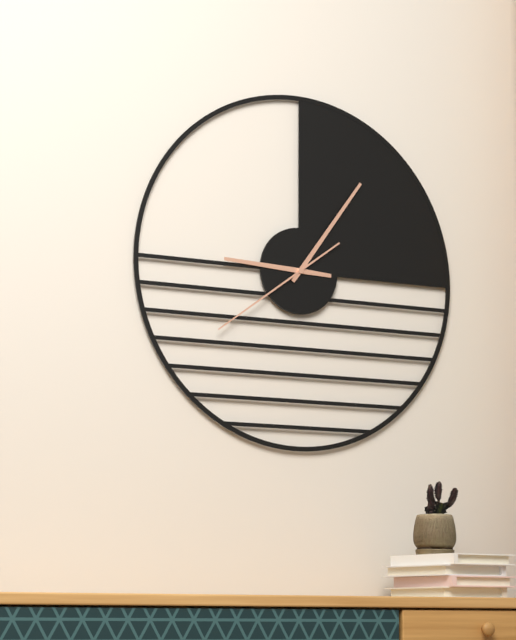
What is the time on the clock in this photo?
9:06:39
